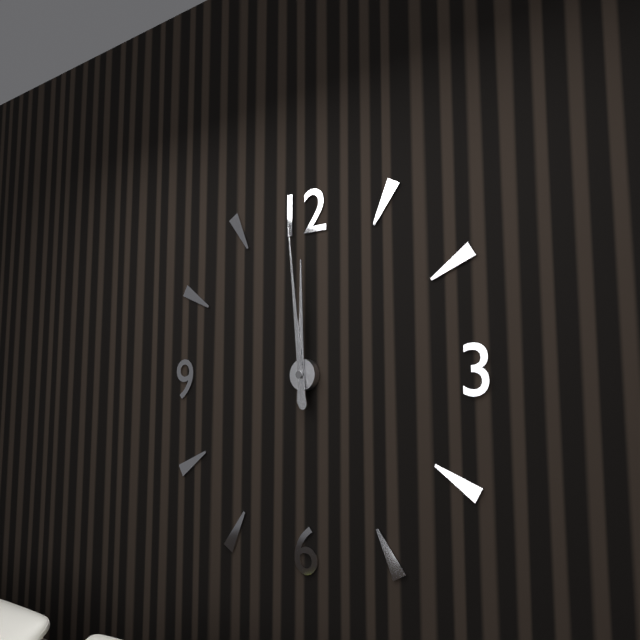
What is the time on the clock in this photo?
11:59
